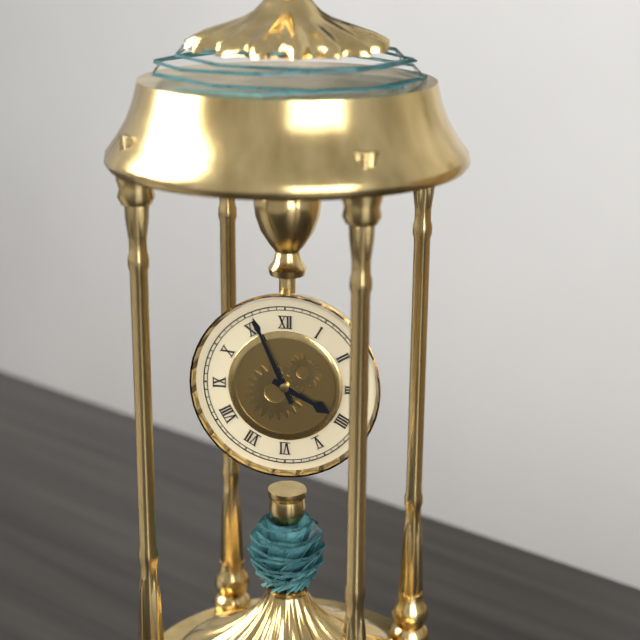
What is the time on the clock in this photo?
3:56
